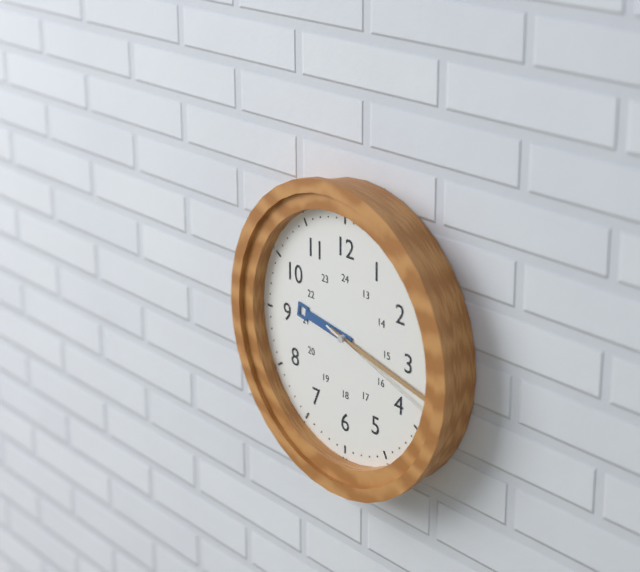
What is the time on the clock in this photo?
9:17:18
